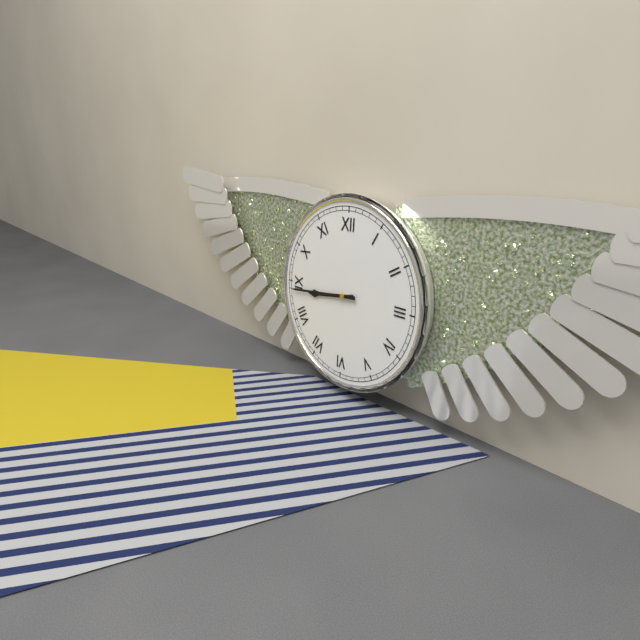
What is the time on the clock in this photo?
8:44
